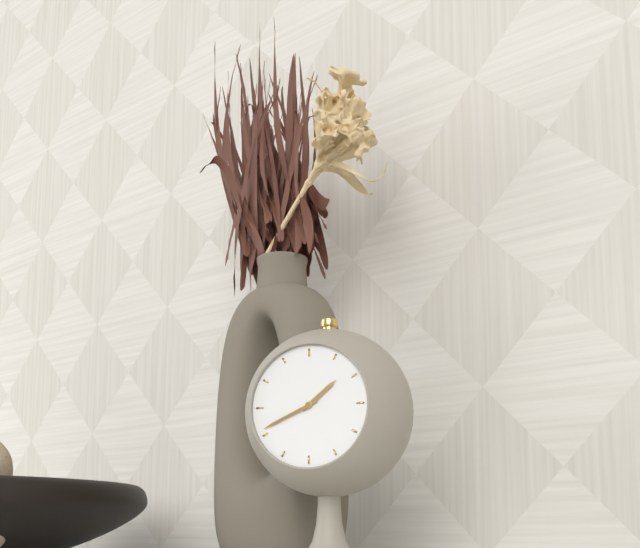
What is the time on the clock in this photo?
1:41
